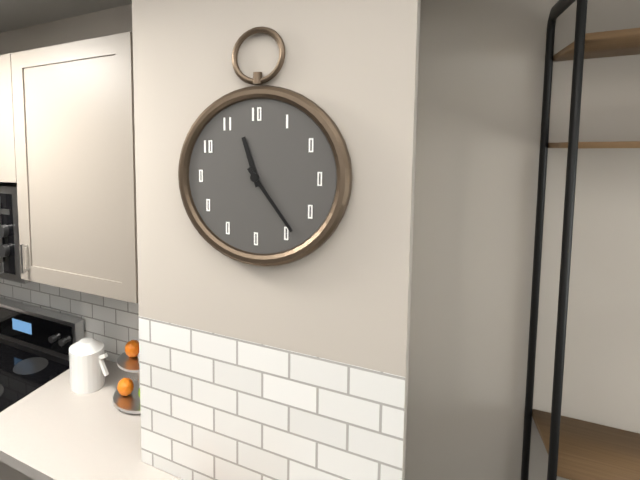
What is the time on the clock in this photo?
11:24
